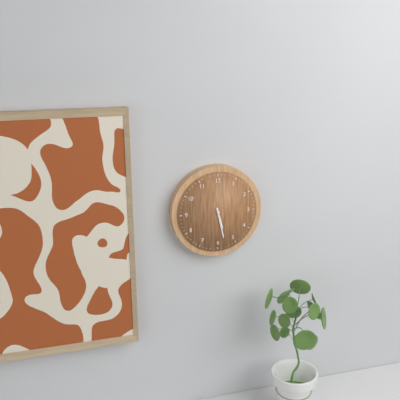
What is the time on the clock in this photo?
5:28
